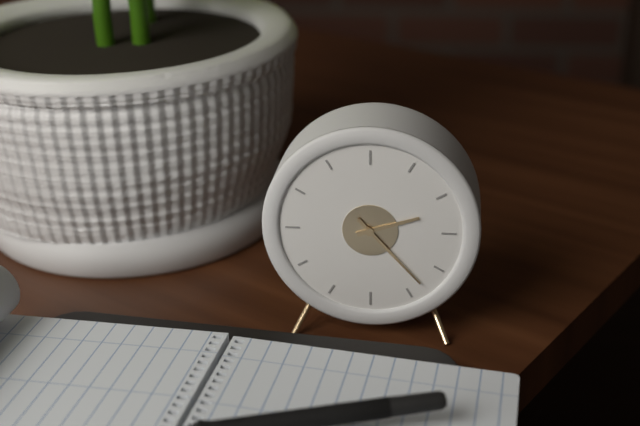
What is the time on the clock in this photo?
2:23
